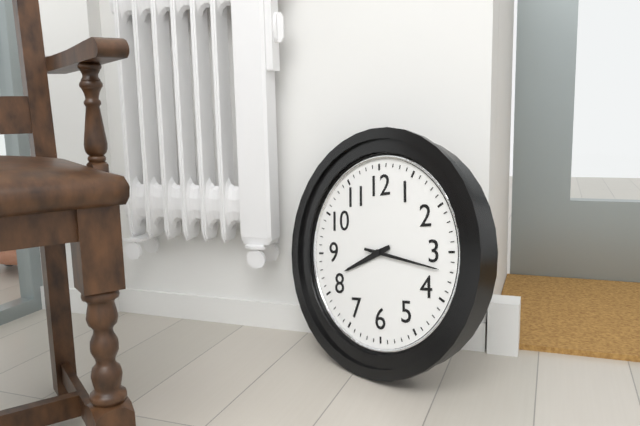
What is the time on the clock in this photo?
8:17
